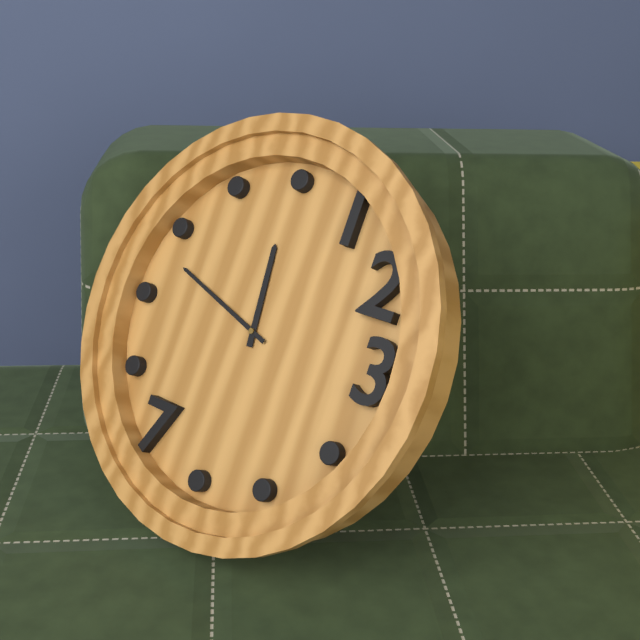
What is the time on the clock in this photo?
11:48
